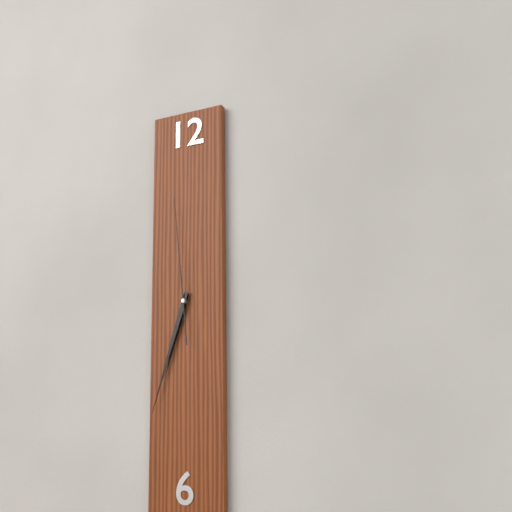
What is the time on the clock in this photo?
6:33:59
